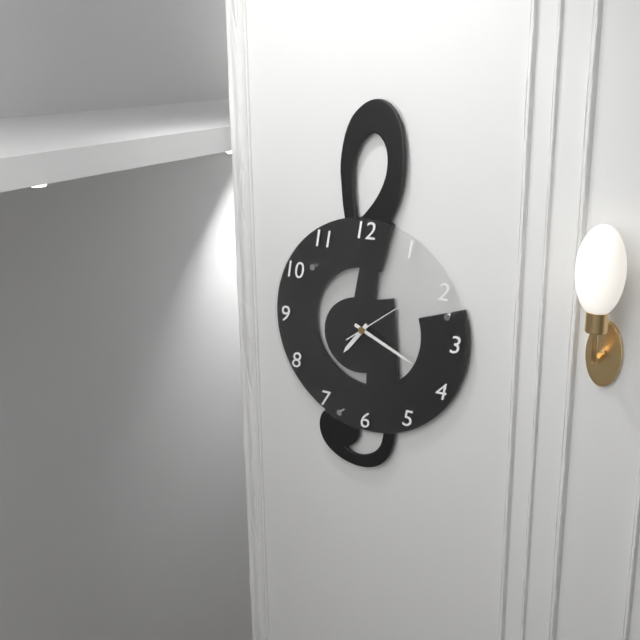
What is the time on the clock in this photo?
7:19:09
